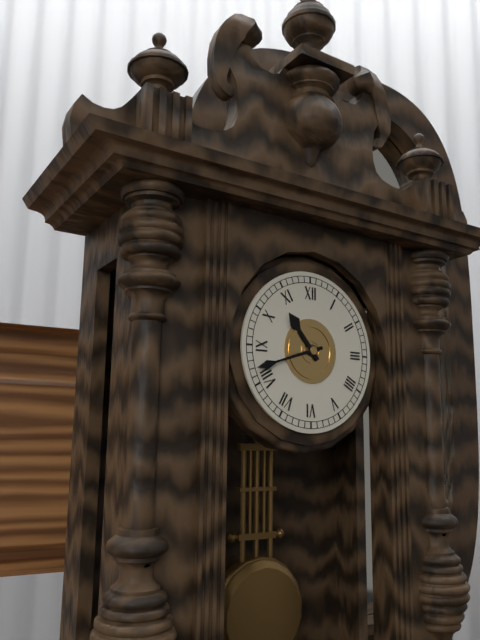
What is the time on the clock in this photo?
10:42
